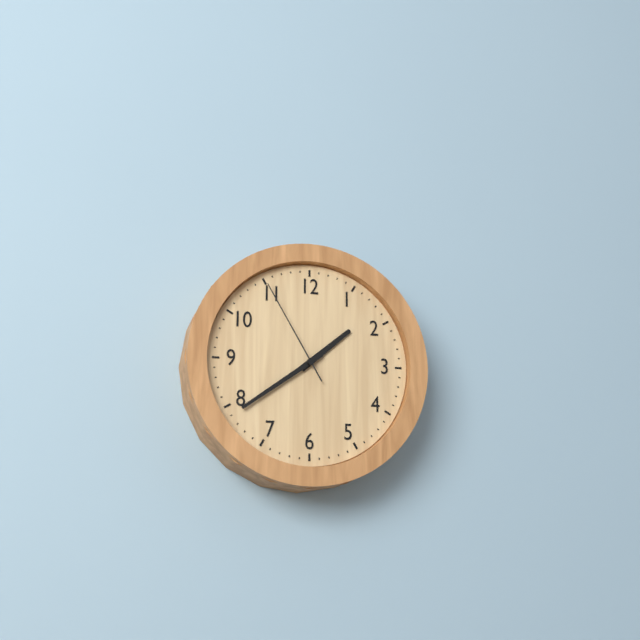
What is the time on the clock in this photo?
1:39:55
